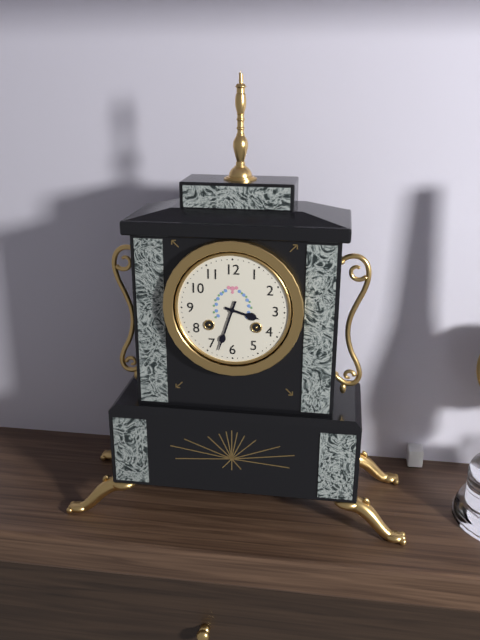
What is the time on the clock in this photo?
3:33
